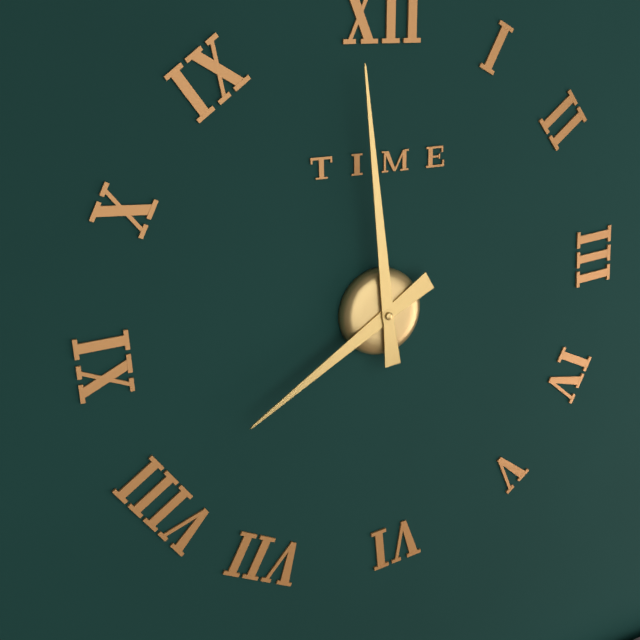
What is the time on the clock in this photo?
7:59
